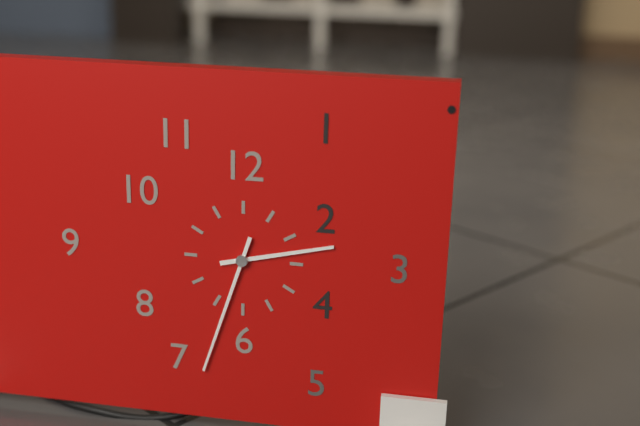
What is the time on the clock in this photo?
2:33
